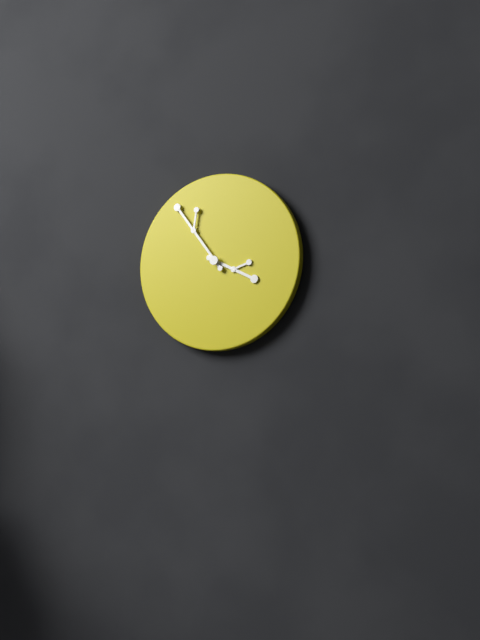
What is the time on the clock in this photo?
3:54
